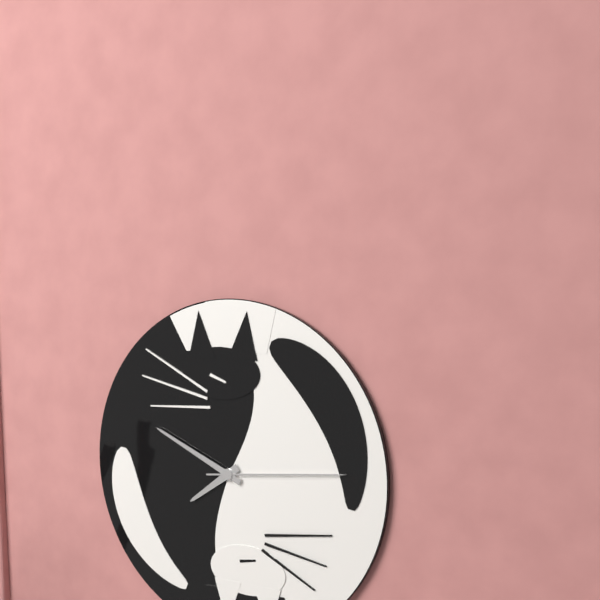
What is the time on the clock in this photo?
7:49:14
